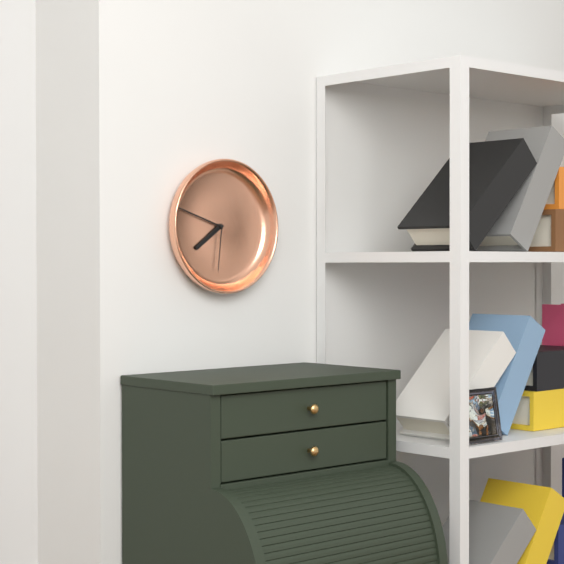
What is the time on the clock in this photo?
7:48:31
